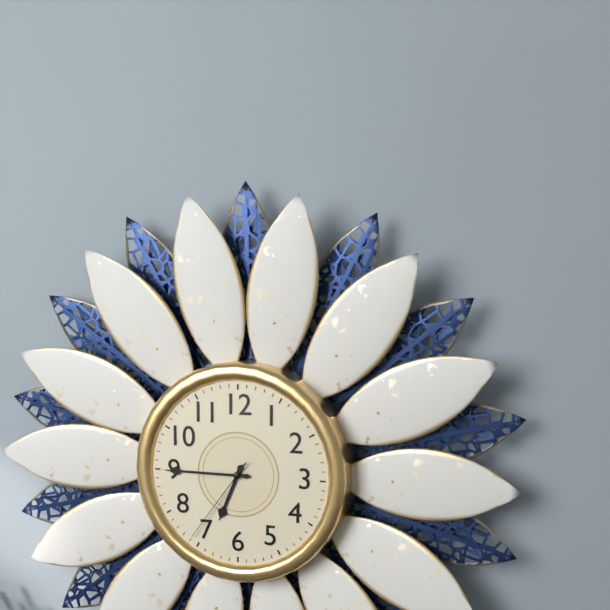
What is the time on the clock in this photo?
6:45:36
